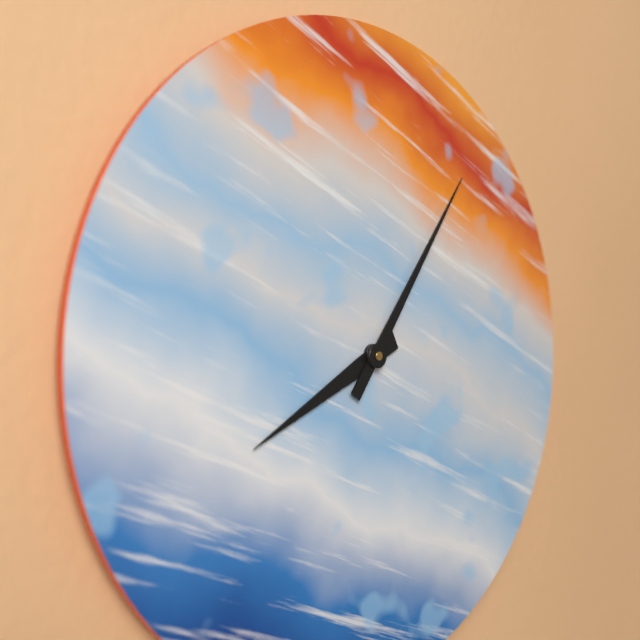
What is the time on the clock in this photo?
8:06
